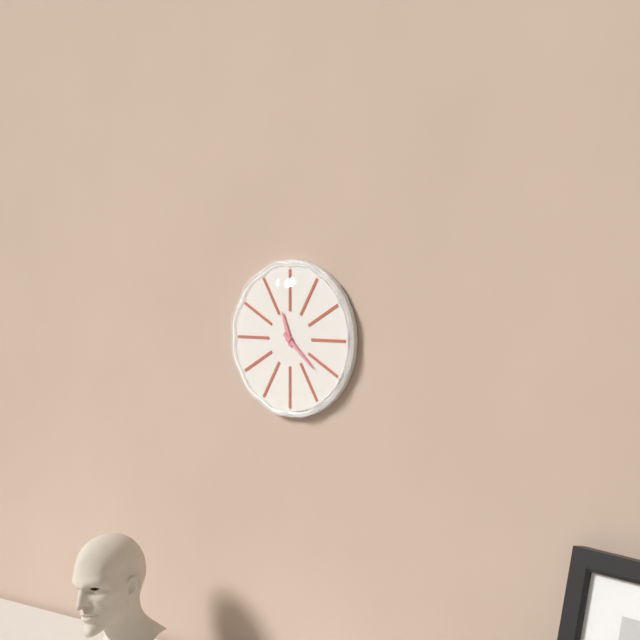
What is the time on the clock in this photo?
11:22
